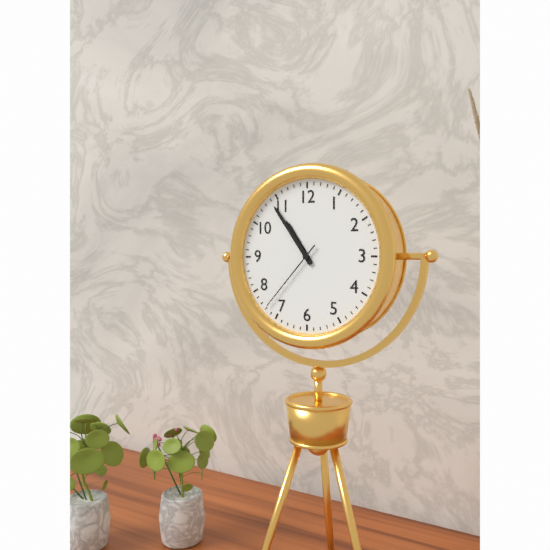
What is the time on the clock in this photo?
10:54:37
